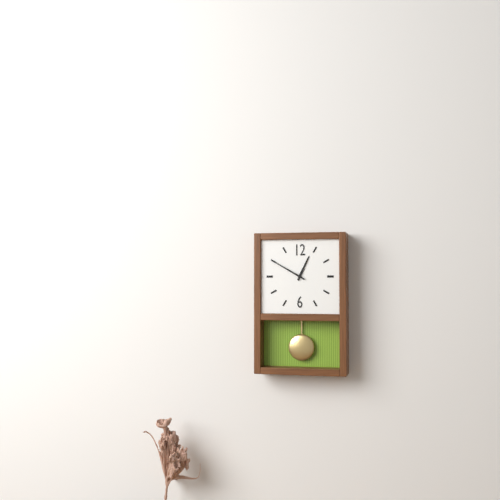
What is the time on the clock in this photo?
12:50
